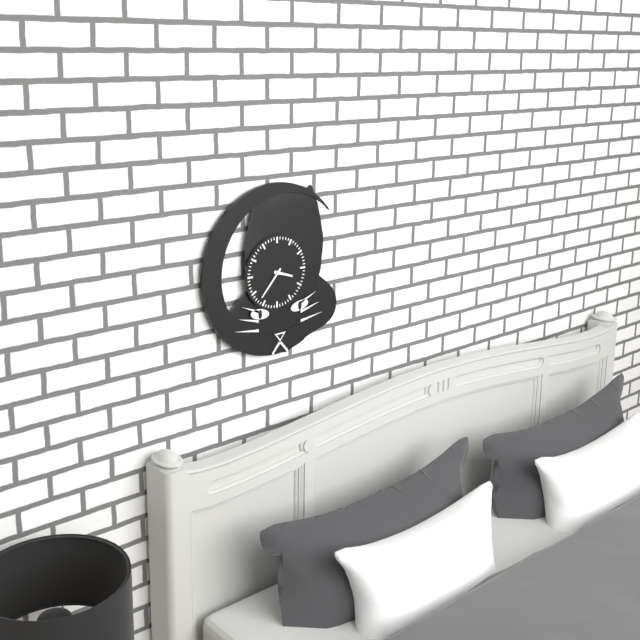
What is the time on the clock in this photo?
3:37
